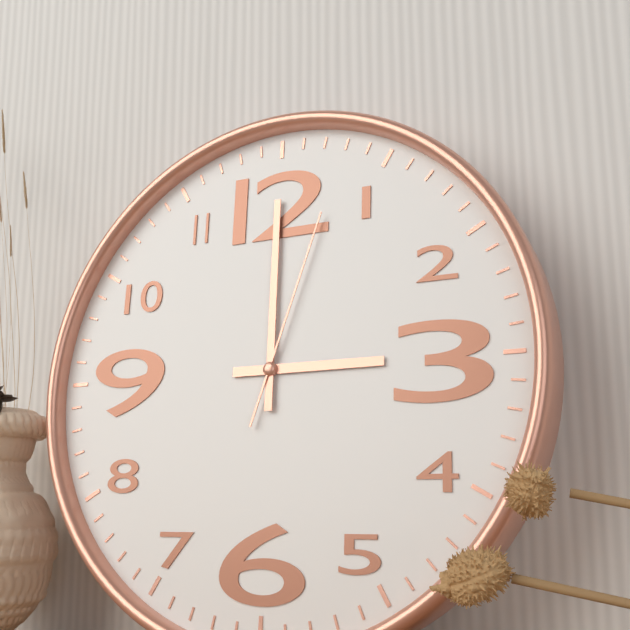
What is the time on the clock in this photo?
3:00:03
